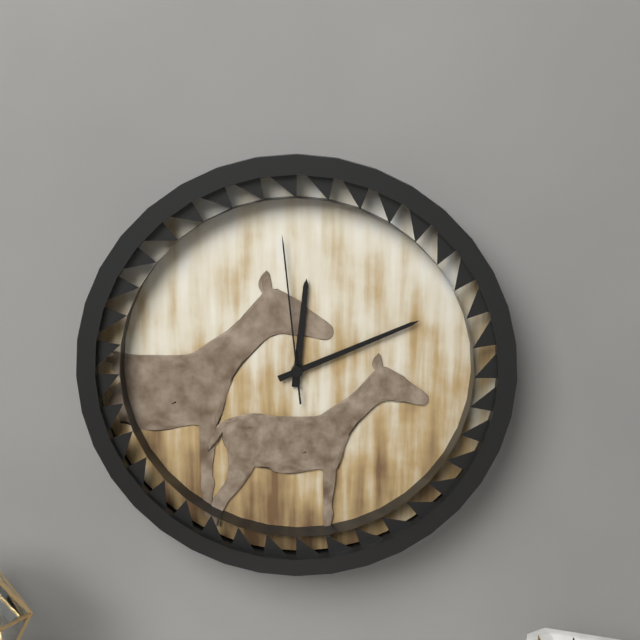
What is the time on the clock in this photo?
12:11:59
